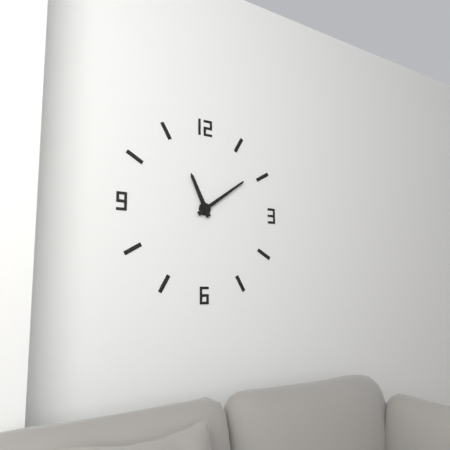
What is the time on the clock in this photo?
11:09
